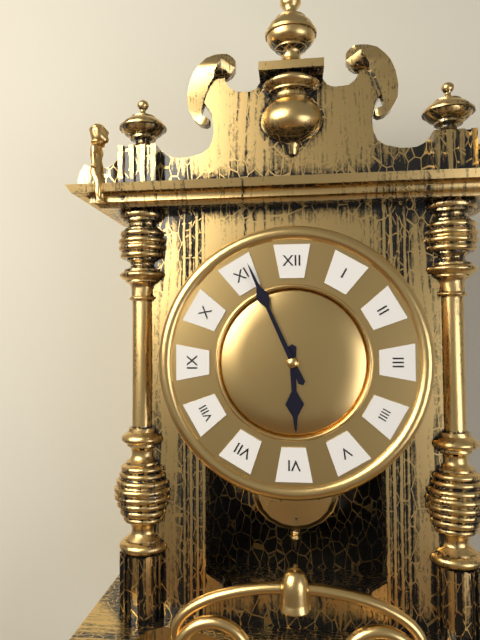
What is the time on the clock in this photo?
5:56
